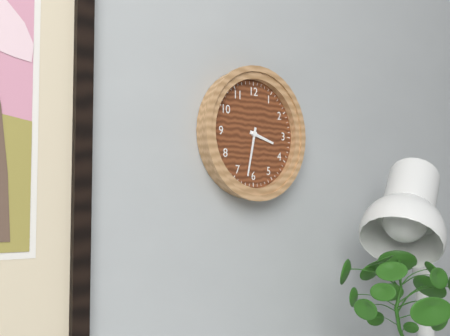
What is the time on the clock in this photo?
3:32
